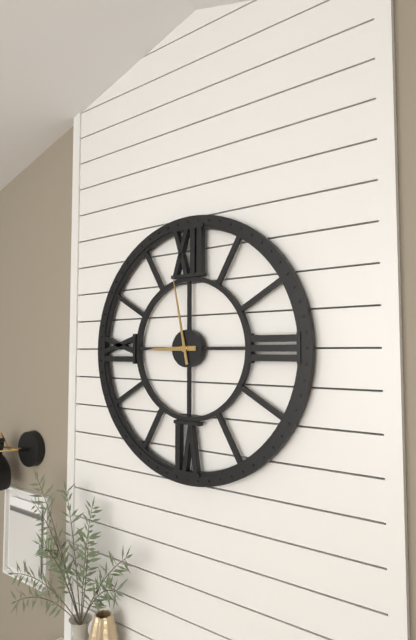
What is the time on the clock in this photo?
8:58
